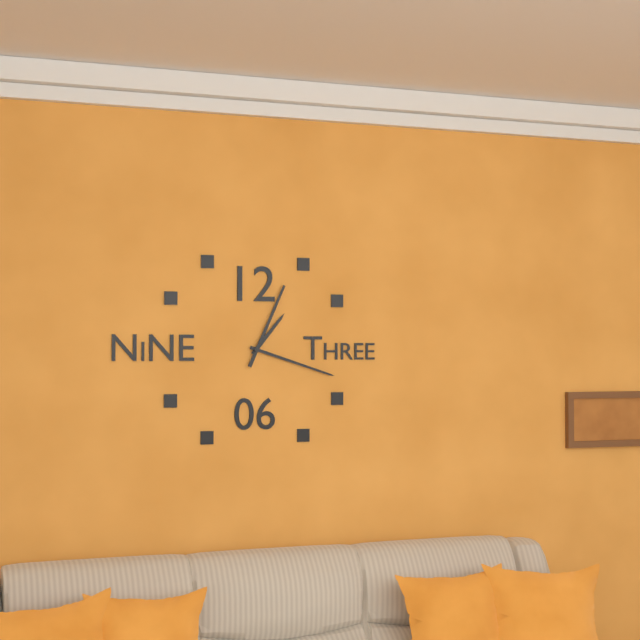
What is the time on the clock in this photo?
1:18:04
